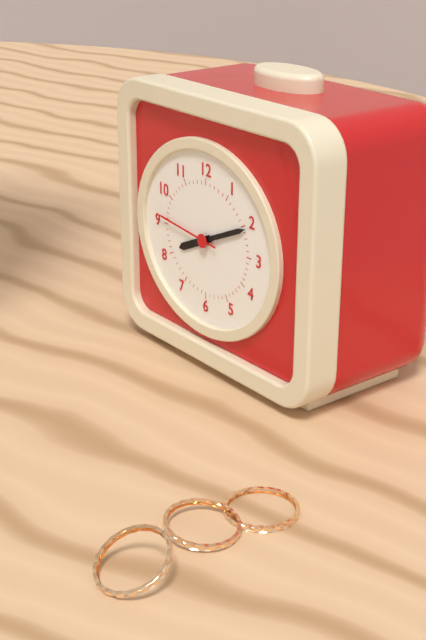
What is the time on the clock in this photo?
8:11:46
